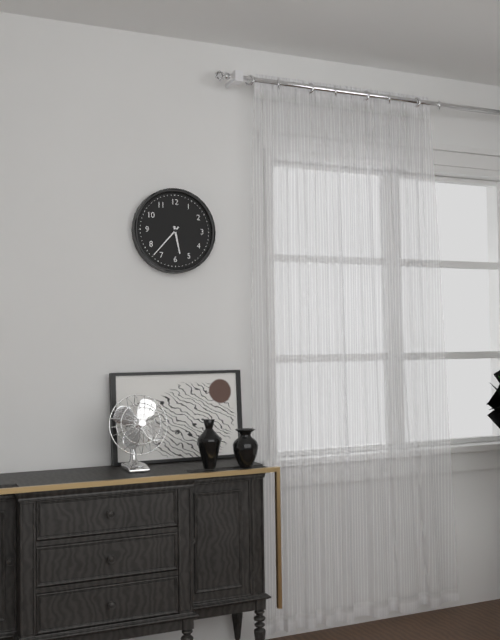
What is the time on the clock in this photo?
5:37
